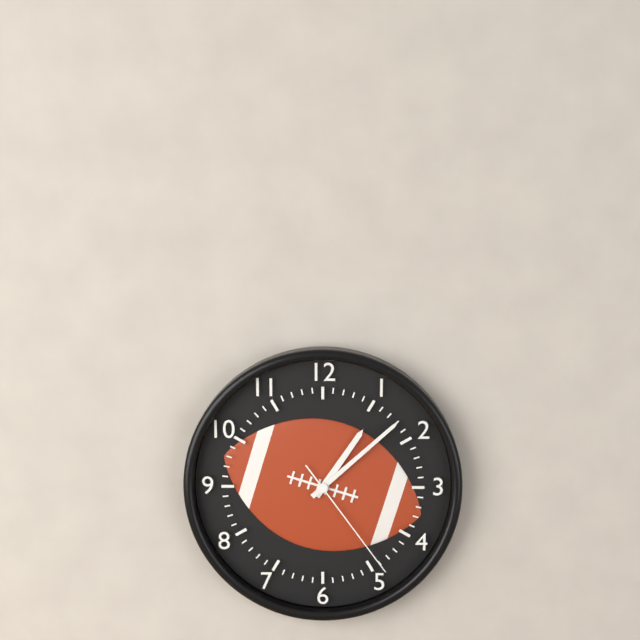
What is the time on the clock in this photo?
1:08:24
